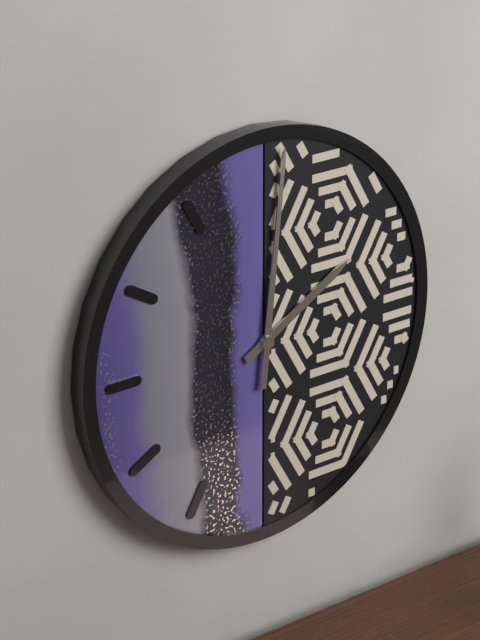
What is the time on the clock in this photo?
2:01
